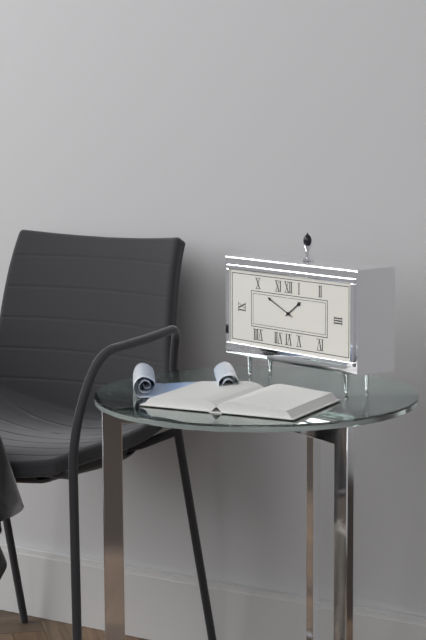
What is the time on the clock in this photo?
1:49
